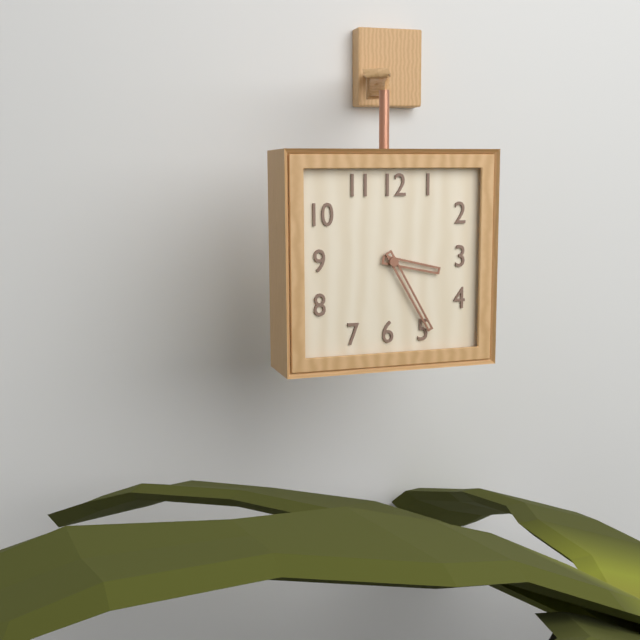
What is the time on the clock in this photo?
3:25
